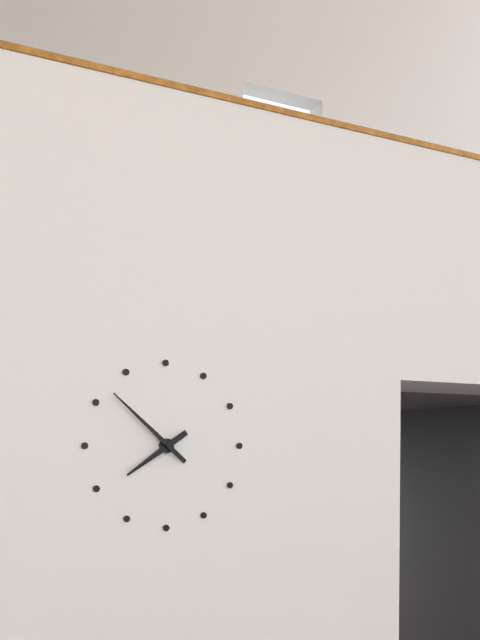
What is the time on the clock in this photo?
7:52
